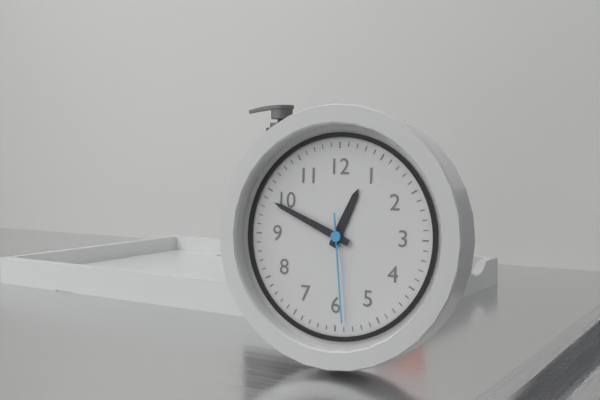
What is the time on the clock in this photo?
12:49:29
